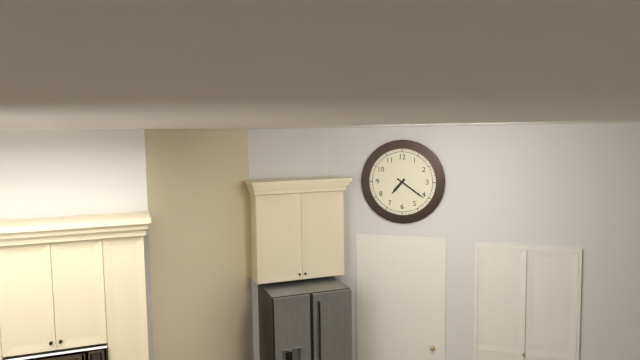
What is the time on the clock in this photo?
7:21
